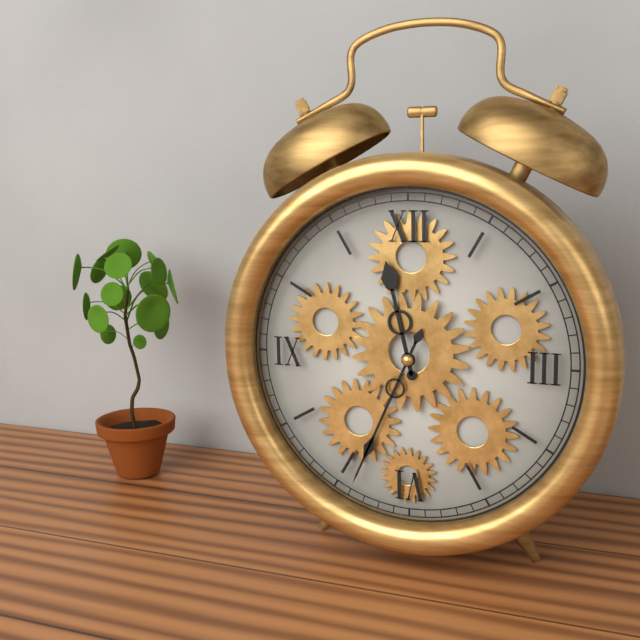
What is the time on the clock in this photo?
11:34
